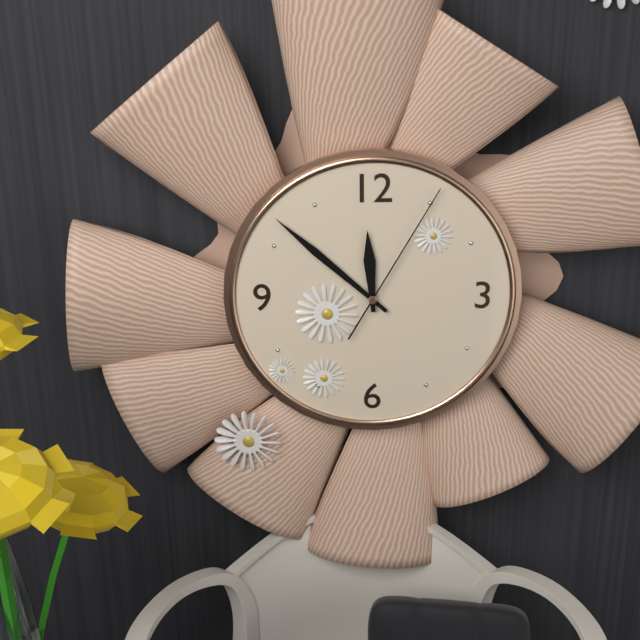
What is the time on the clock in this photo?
11:52:05
